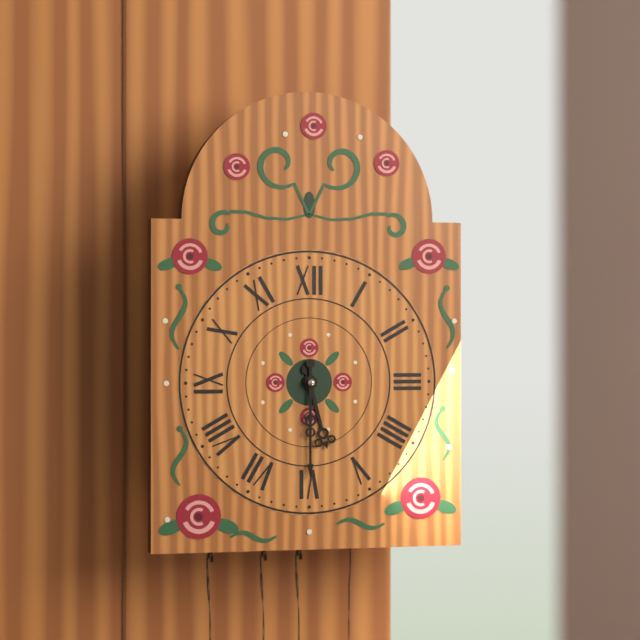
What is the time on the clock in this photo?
5:30
